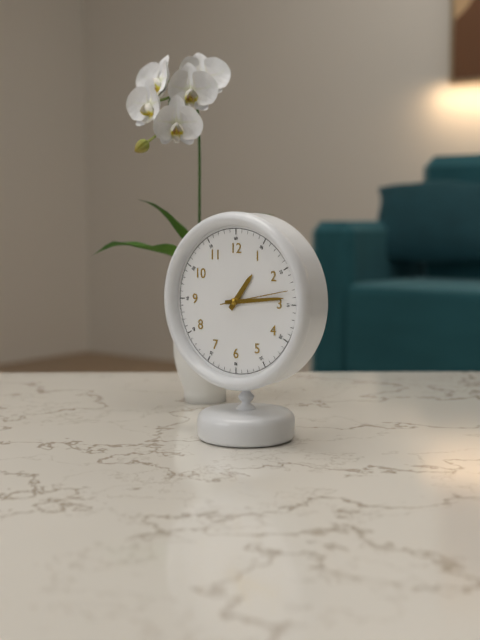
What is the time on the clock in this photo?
1:14:13
